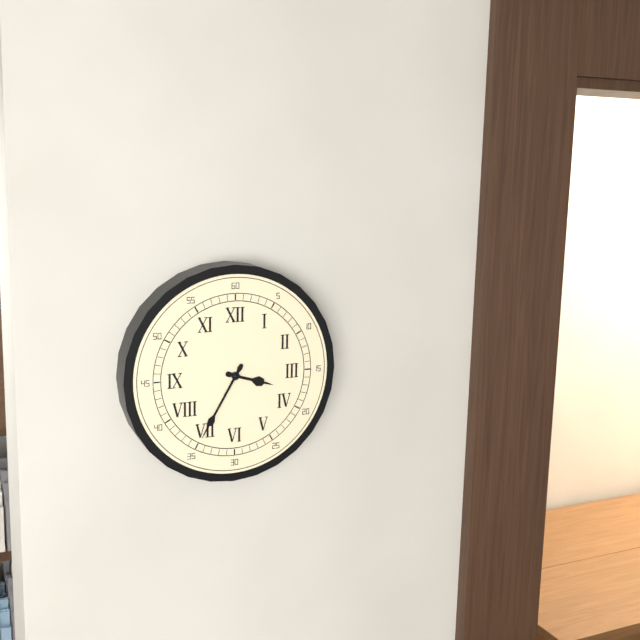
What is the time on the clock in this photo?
3:35
